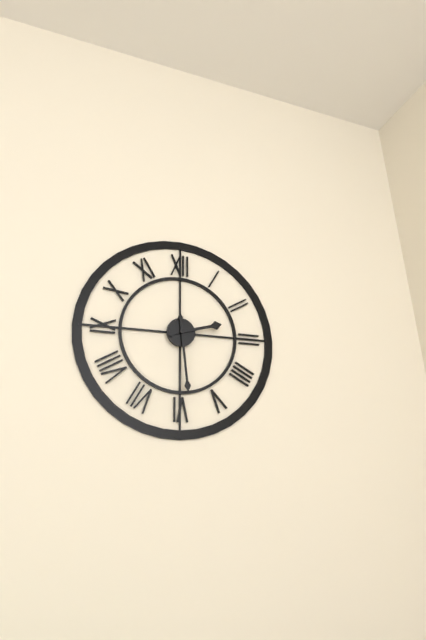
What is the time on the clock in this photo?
2:29
